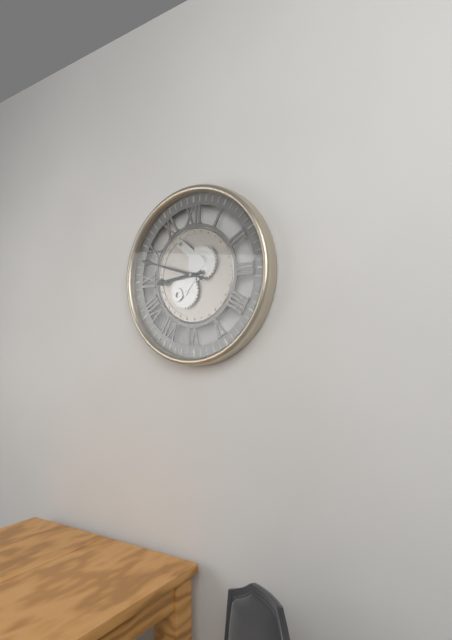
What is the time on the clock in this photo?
8:48
